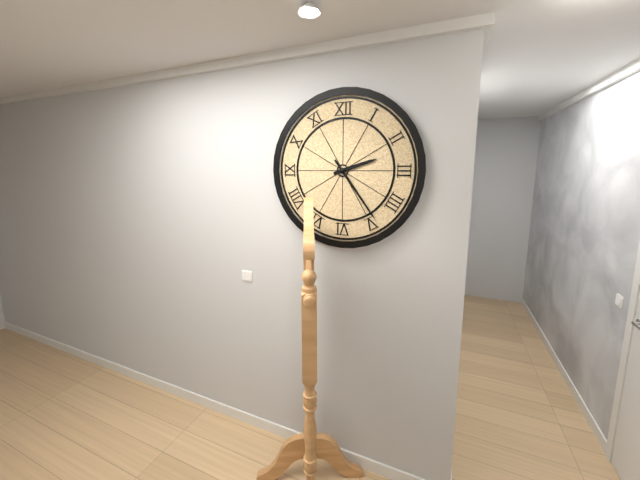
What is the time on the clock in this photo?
2:24
